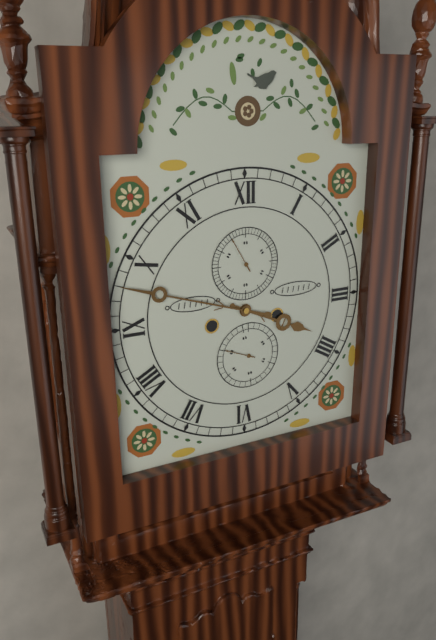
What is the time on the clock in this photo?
3:48
